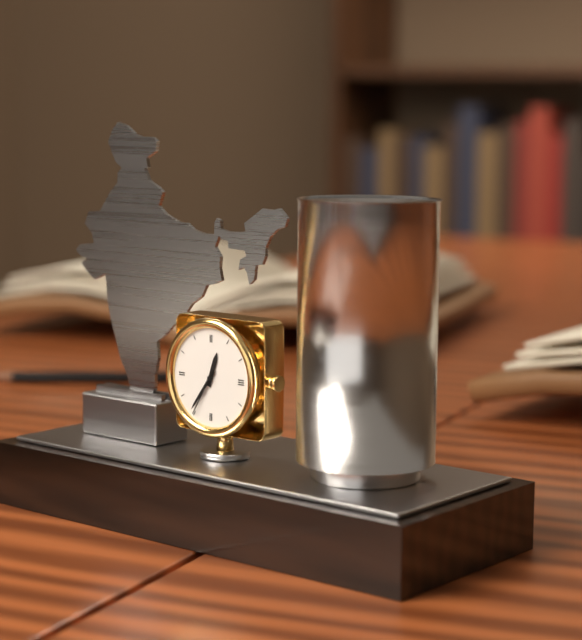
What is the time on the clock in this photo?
12:36
